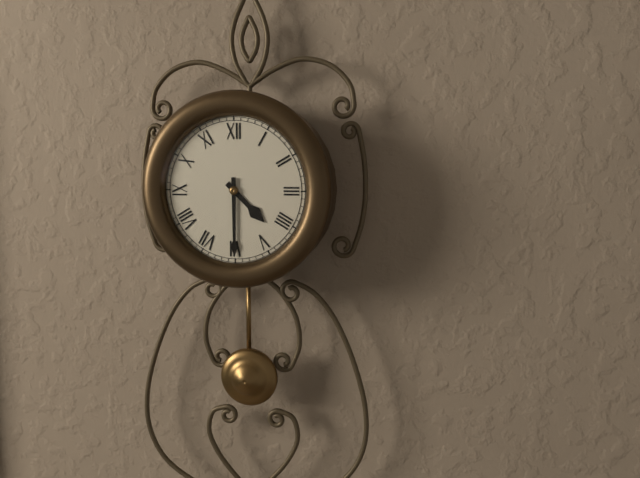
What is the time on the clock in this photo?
4:30
